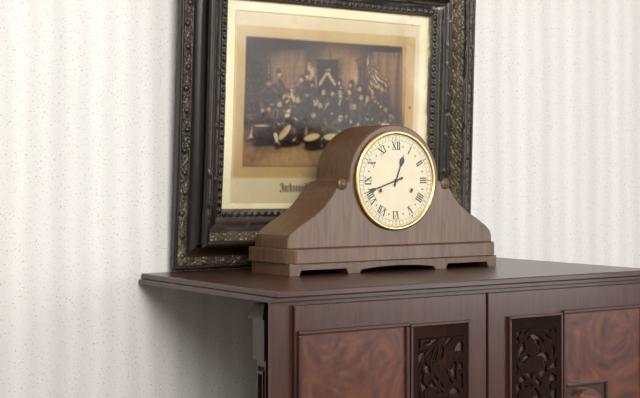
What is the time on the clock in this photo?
12:42
